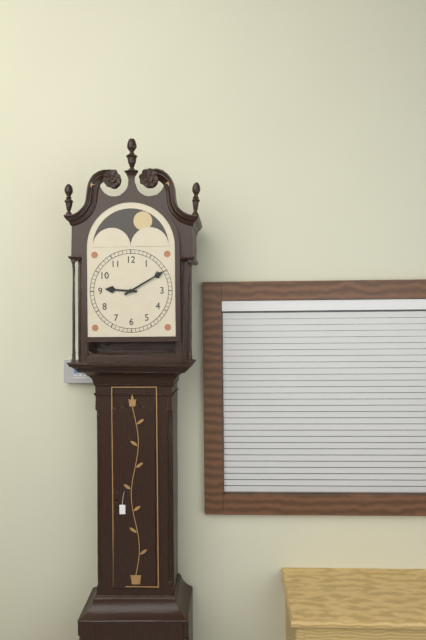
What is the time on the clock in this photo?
9:10
